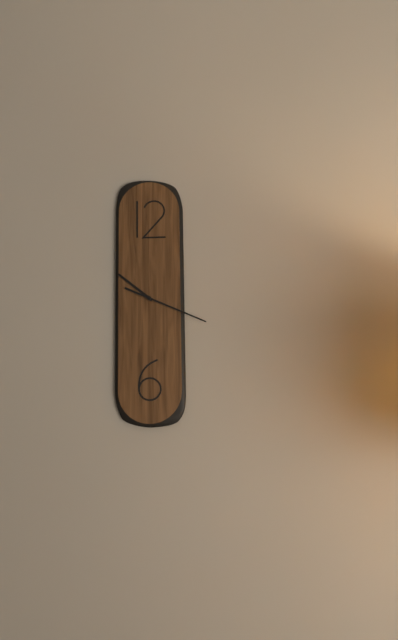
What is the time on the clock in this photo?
10:19
